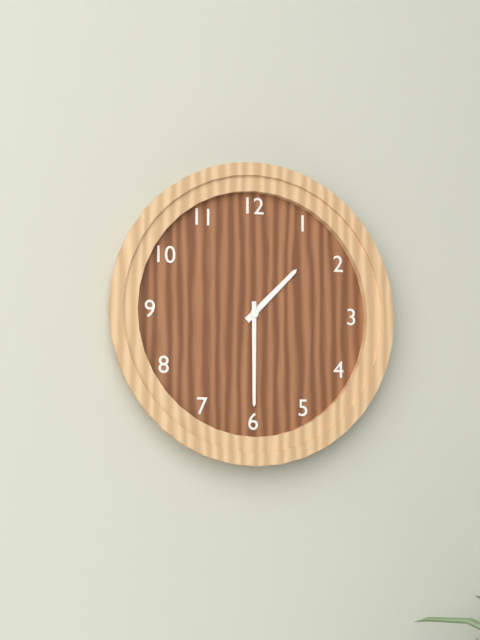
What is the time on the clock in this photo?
1:30
